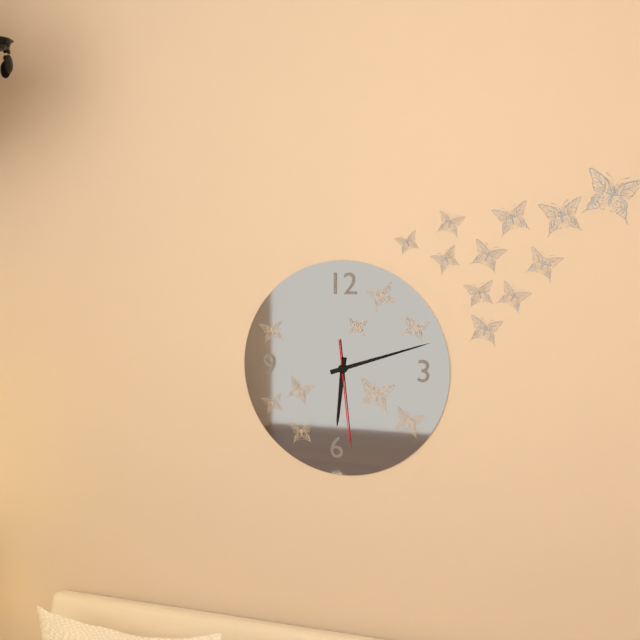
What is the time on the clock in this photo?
6:12:29
